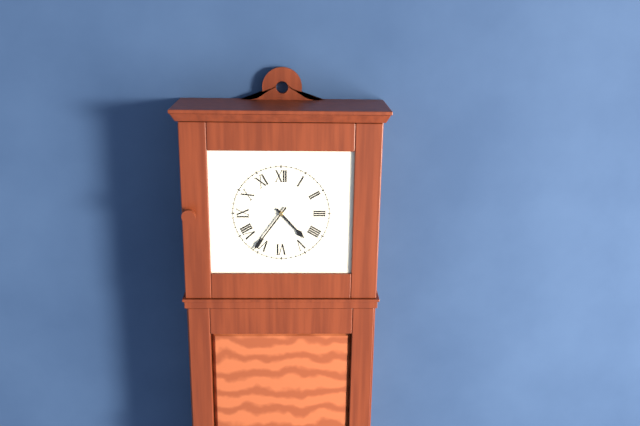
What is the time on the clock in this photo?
4:36
